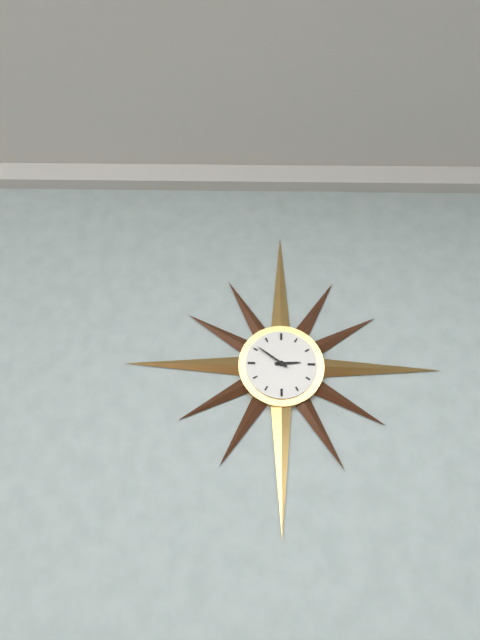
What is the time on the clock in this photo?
2:51
